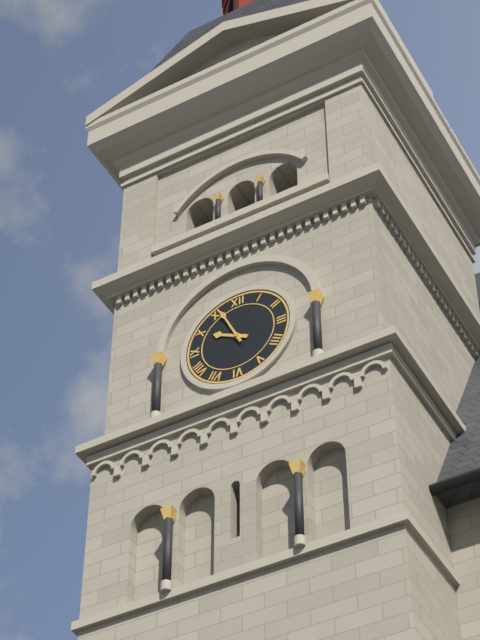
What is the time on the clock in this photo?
9:56
